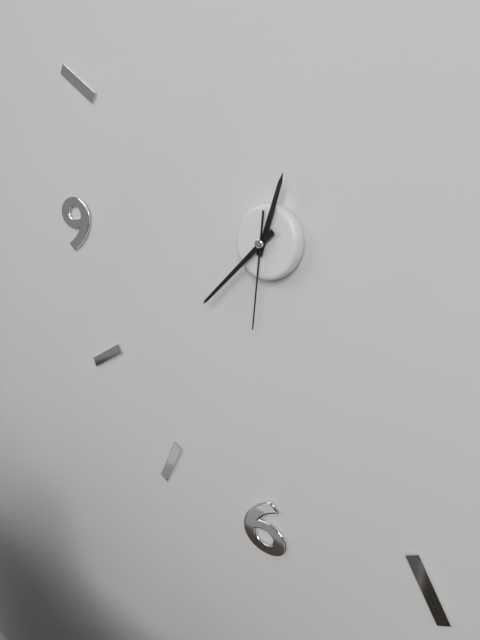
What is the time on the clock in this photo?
12:38:31
